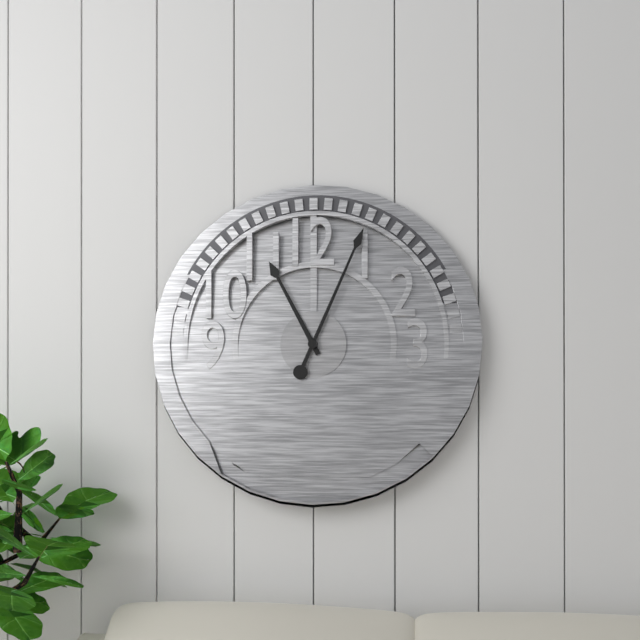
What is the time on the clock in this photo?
11:04
